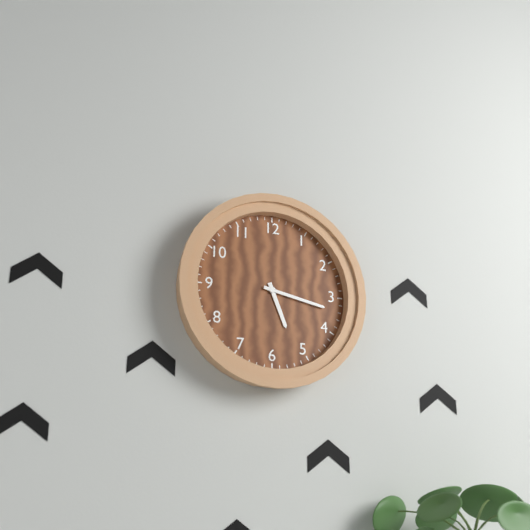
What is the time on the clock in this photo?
5:17
